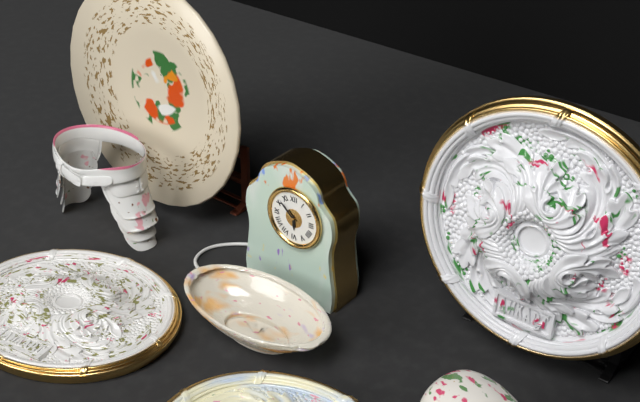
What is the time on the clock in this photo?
5:52
